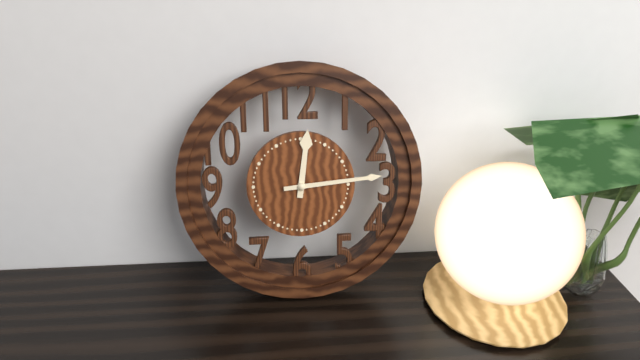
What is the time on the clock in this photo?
12:14
